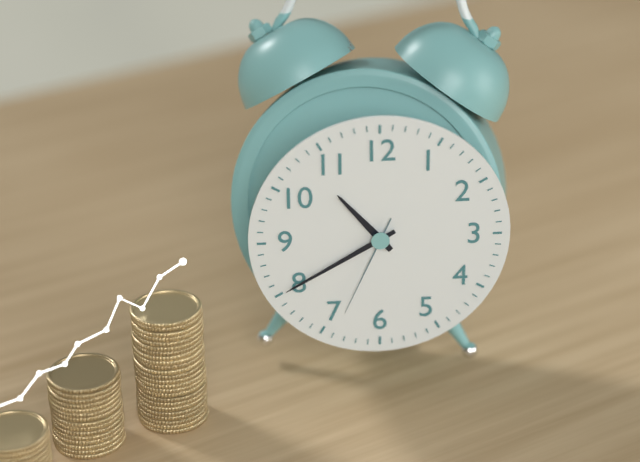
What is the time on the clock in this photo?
10:40:34
